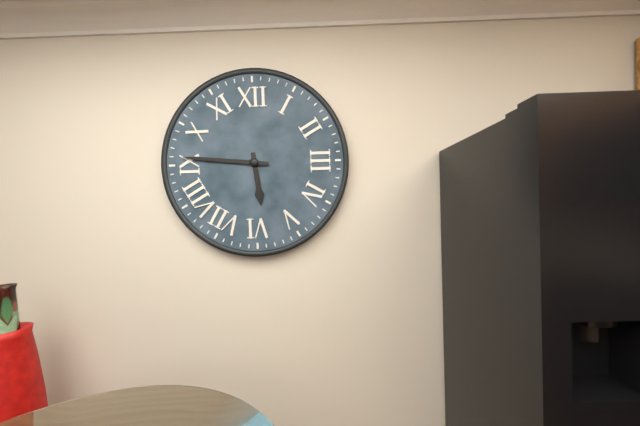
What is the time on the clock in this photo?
5:46
